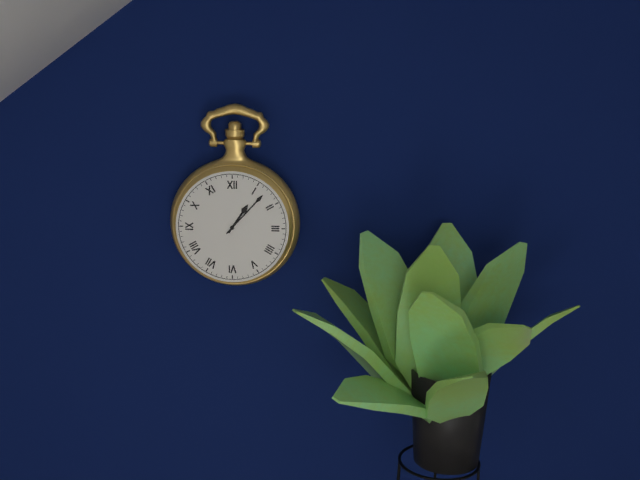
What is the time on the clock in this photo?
1:07
